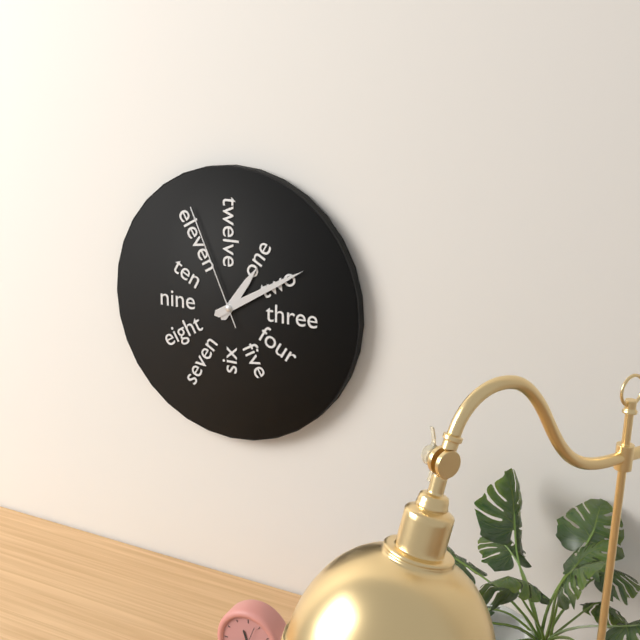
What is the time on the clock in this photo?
1:10:56
